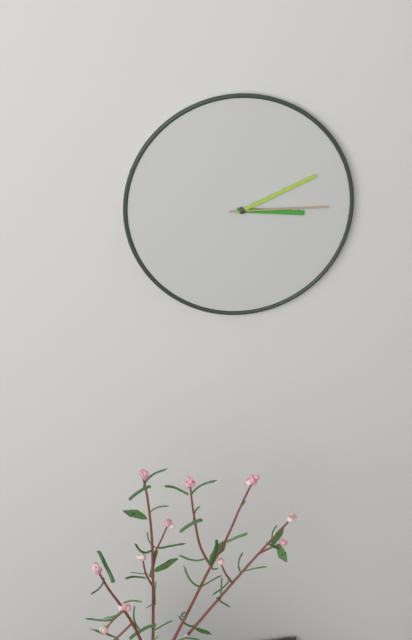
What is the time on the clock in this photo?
3:11:15
